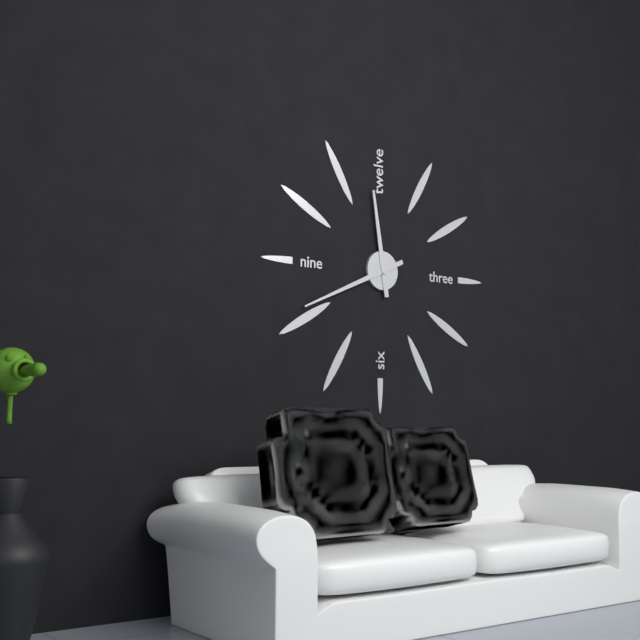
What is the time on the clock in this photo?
11:41
